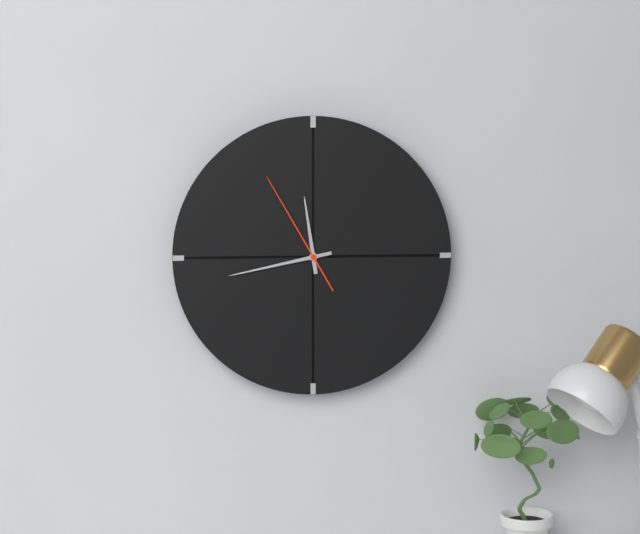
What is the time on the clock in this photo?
11:43:55
